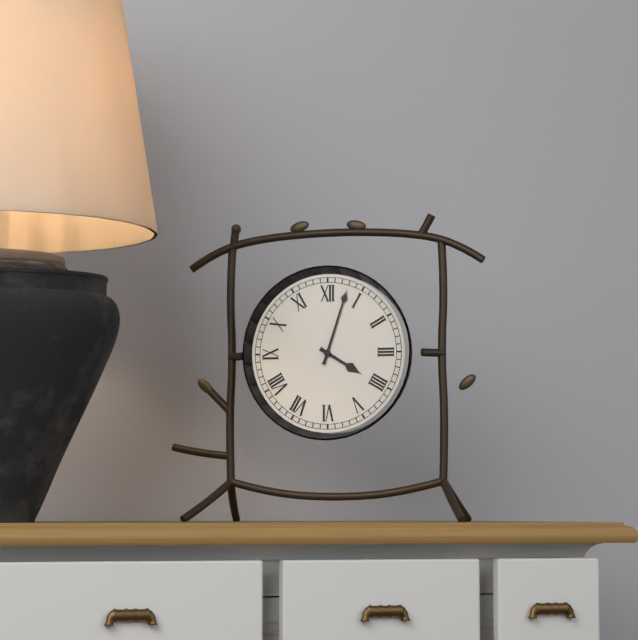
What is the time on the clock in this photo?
4:03
